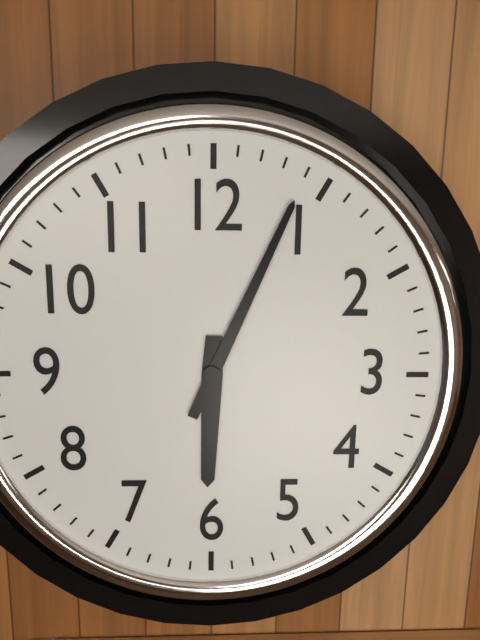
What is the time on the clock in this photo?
6:04
